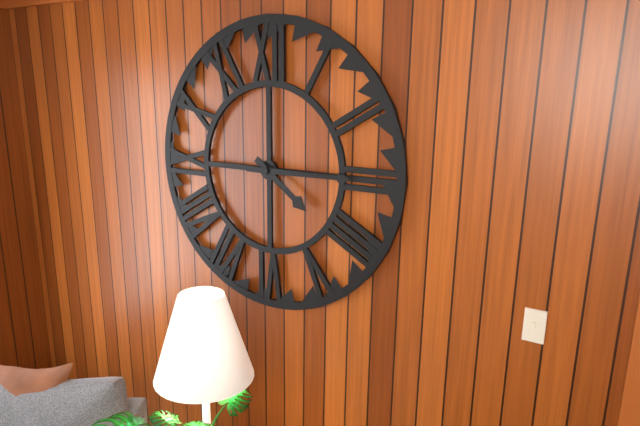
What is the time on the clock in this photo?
4:15
